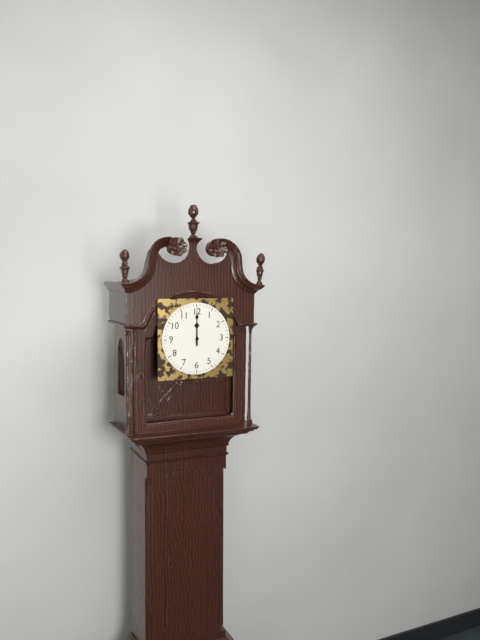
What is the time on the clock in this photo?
12:00
